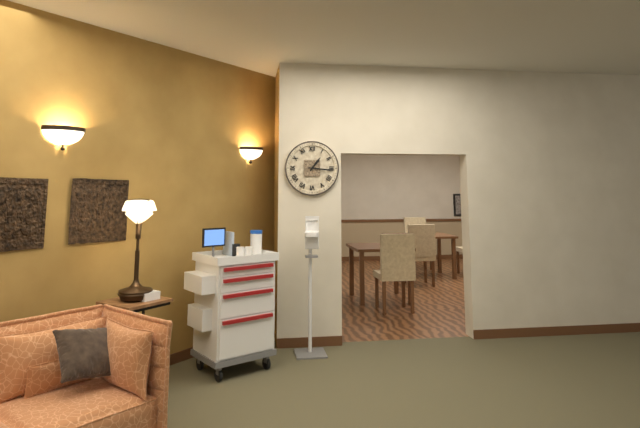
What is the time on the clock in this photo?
1:16
